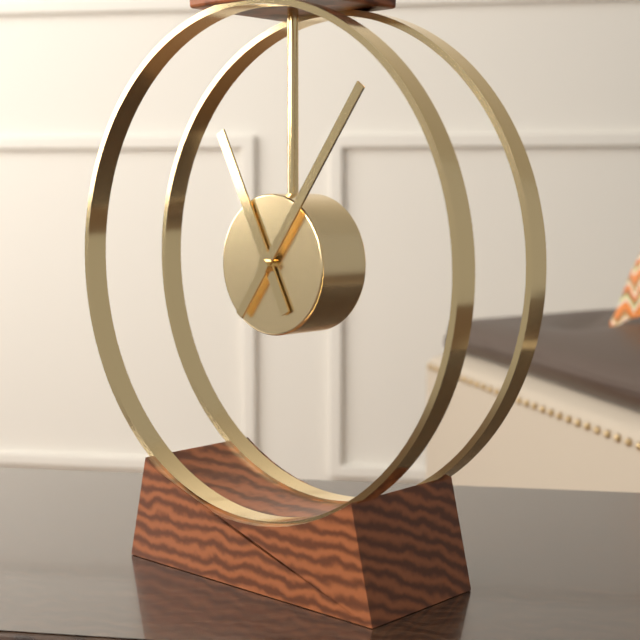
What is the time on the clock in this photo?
11:06
